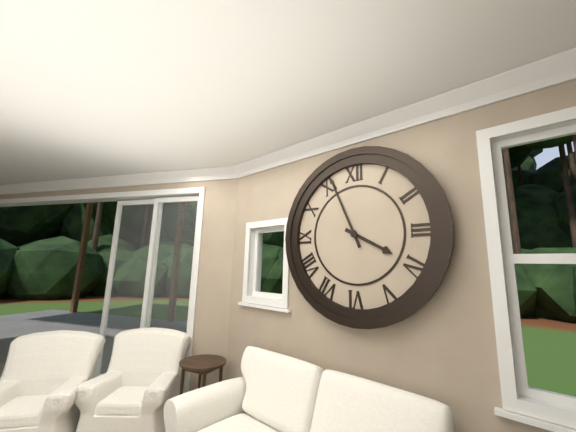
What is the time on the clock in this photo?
3:56
